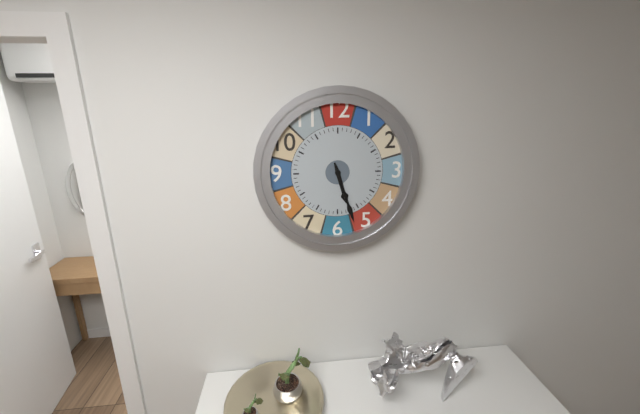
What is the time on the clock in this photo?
5:27
